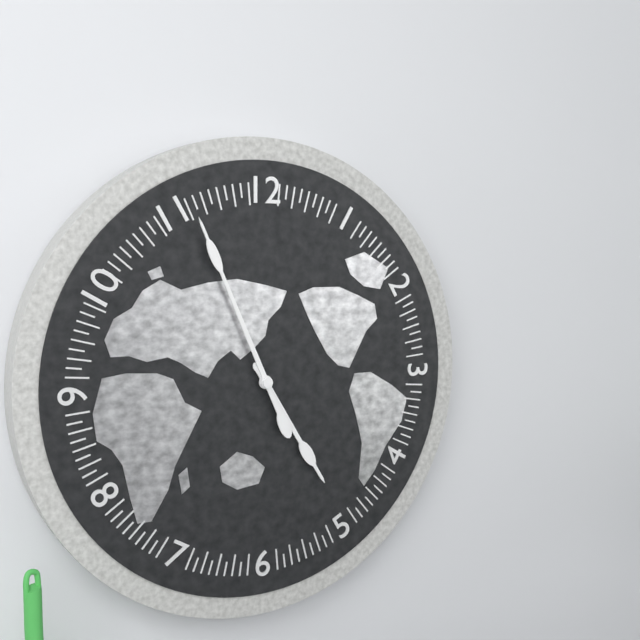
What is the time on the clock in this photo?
4:56
